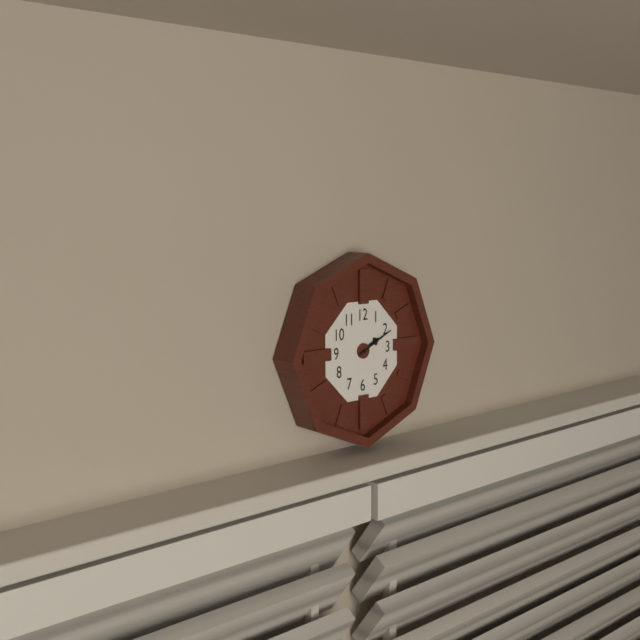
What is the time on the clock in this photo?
2:11
